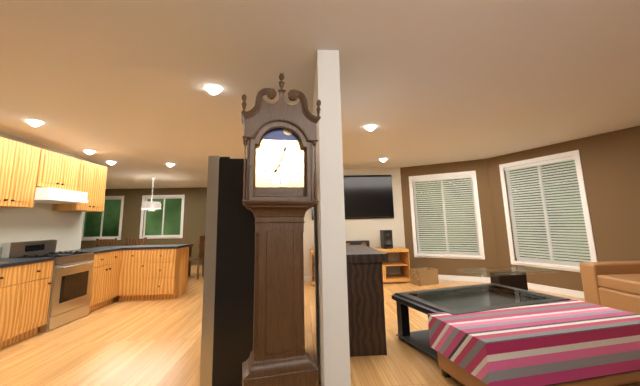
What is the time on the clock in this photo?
7:03
